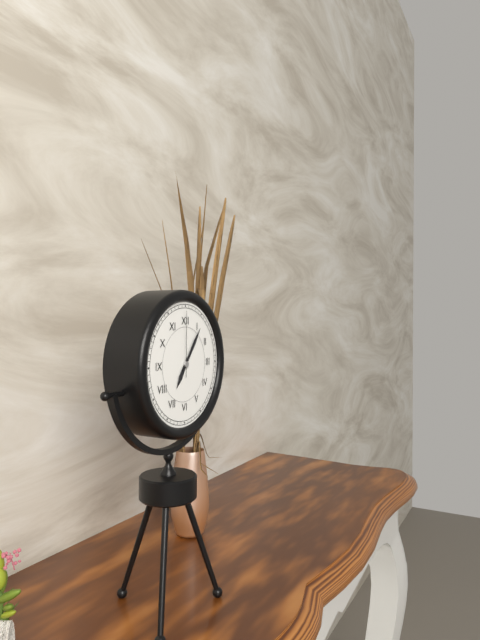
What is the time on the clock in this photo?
7:06:00
